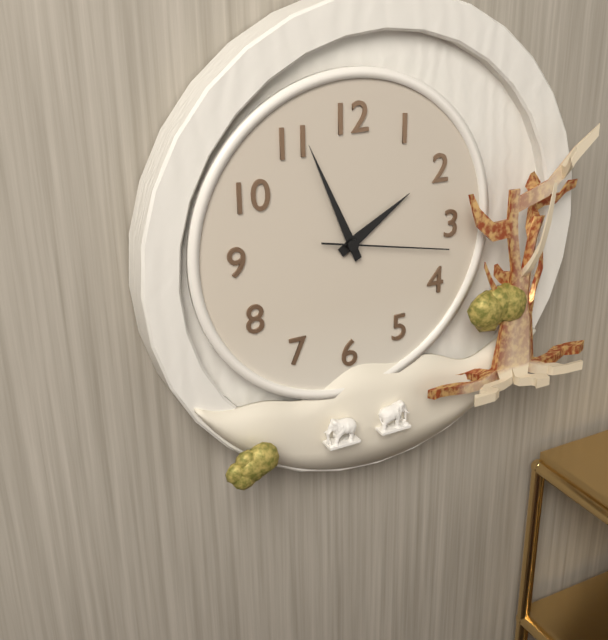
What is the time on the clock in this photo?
1:56:17
